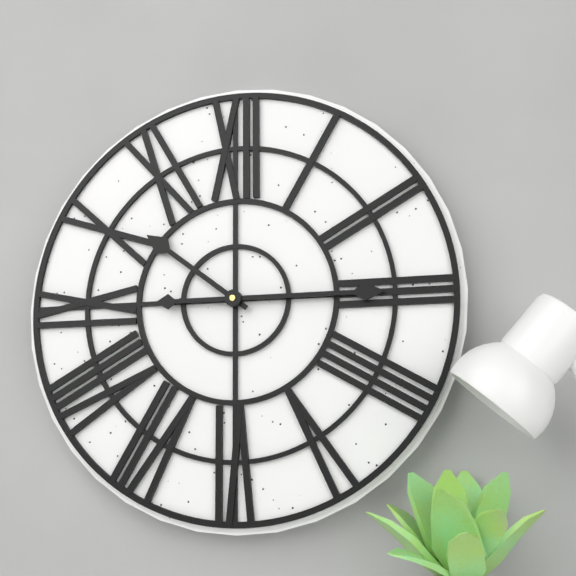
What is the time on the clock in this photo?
10:15
